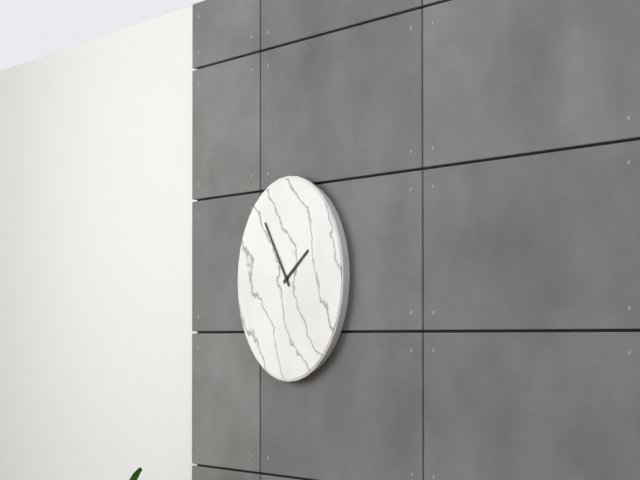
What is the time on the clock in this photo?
1:54
